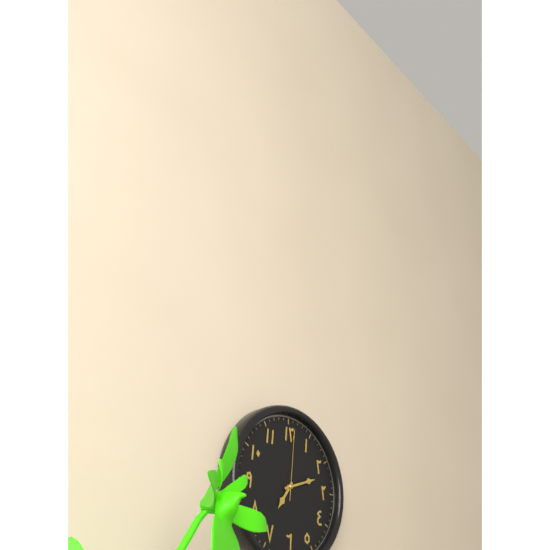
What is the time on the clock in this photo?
7:12:01
